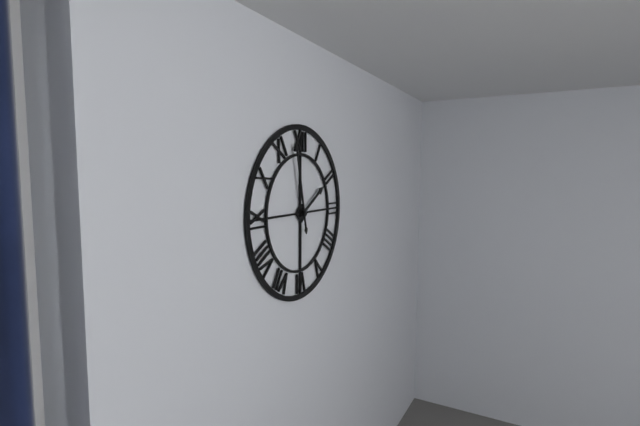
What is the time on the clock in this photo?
1:58
